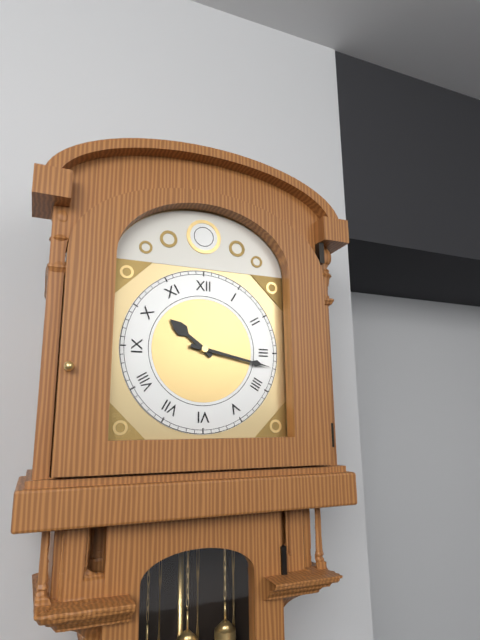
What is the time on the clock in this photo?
10:17
